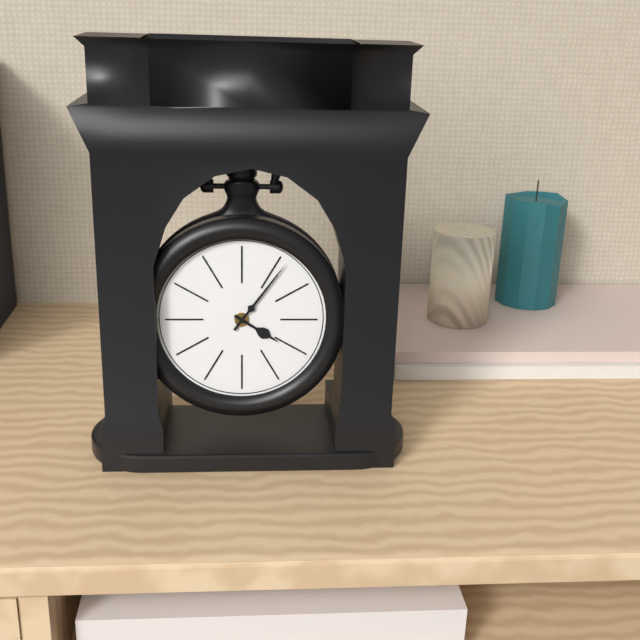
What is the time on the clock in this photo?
4:06
